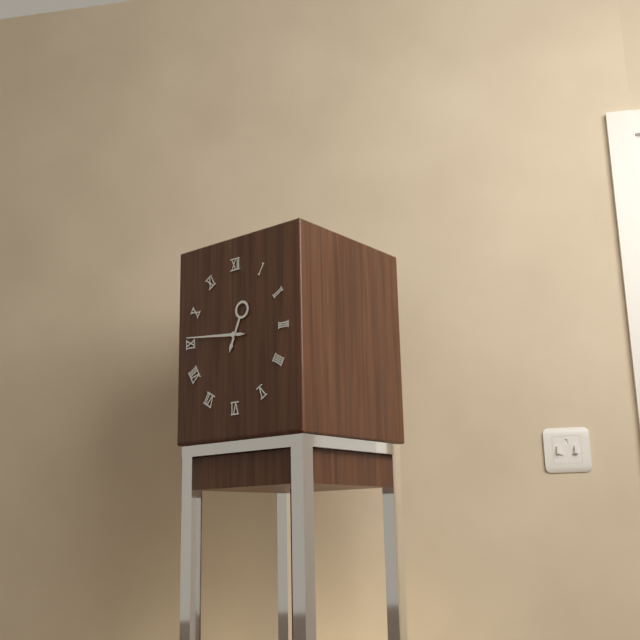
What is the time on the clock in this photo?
12:46
